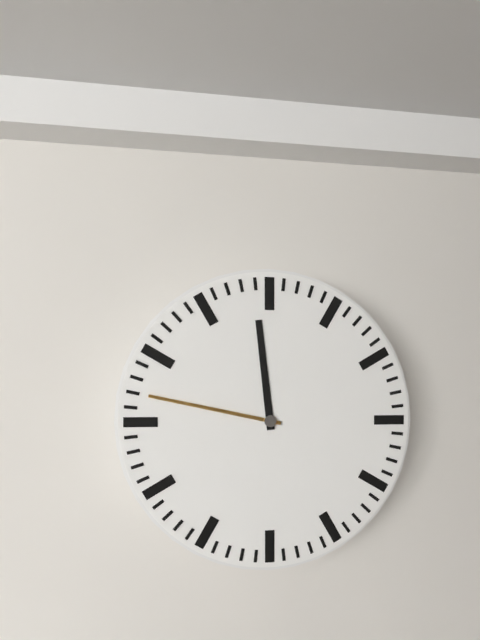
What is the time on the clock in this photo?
11:47
